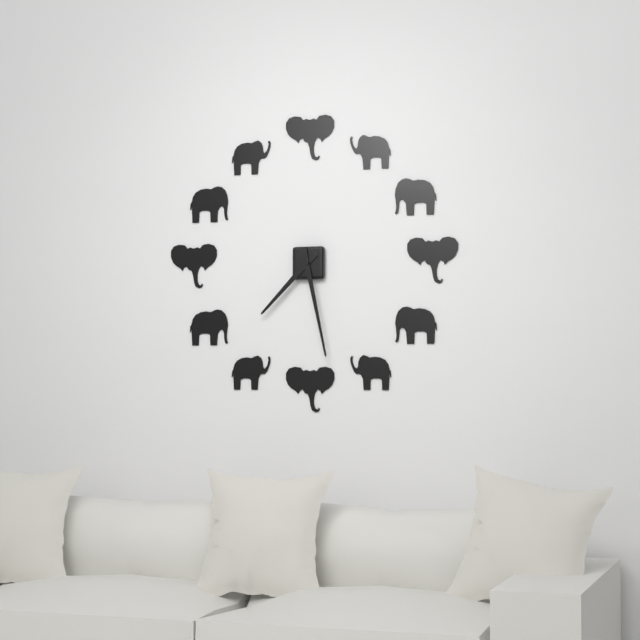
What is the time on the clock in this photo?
7:28
